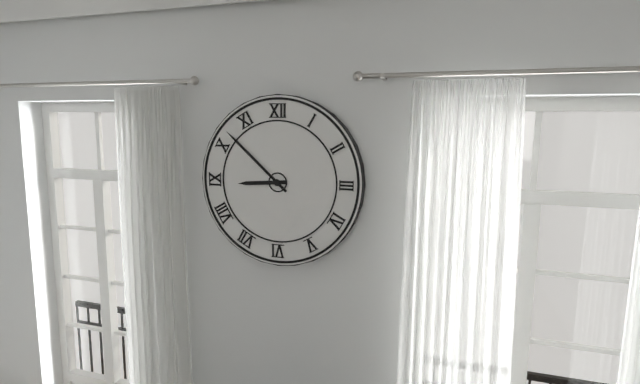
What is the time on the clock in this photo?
8:52
